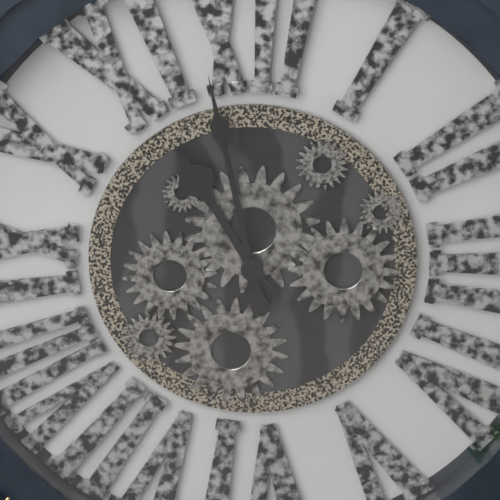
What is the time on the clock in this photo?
10:58
